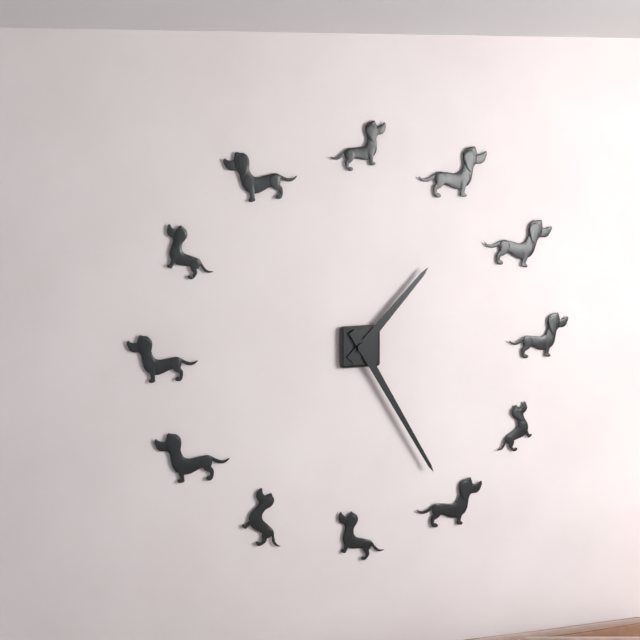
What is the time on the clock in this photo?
1:25
